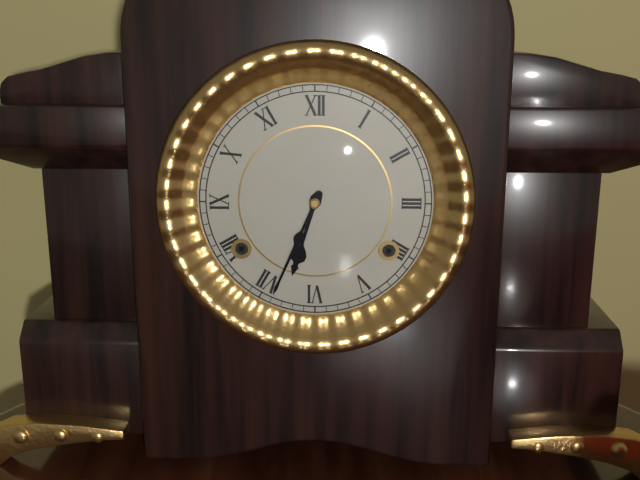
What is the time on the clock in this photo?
6:34
